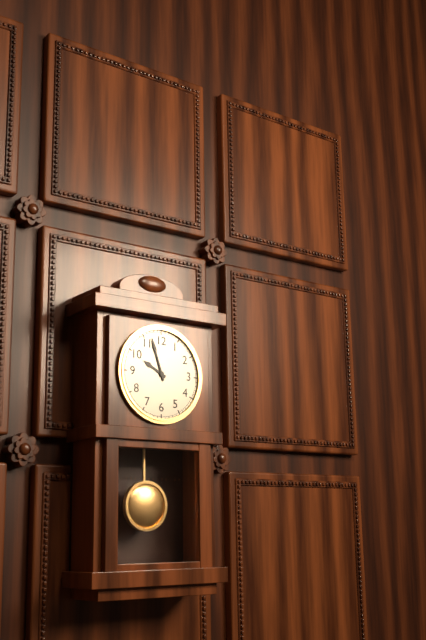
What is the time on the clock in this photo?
9:57
